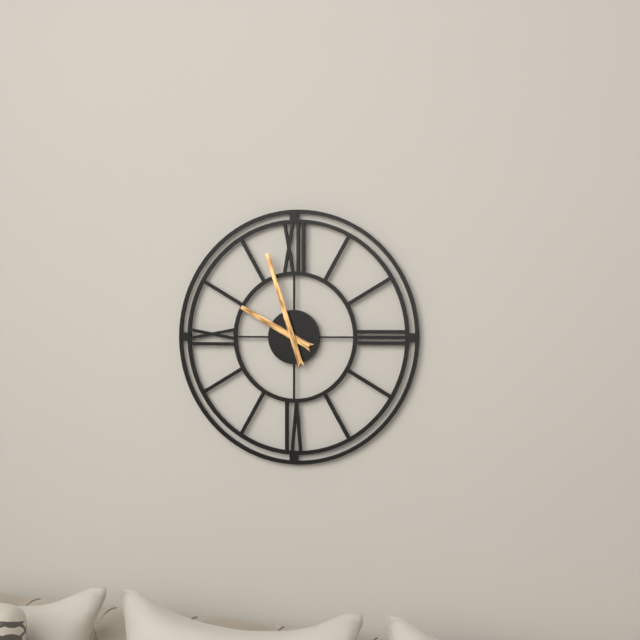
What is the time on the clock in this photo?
9:57
